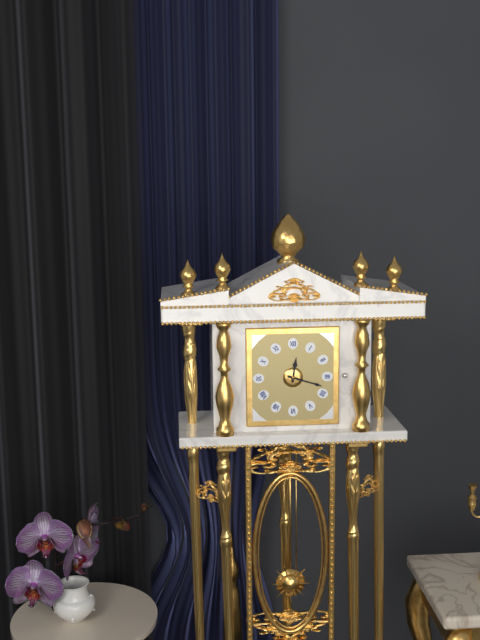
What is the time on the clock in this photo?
12:18
